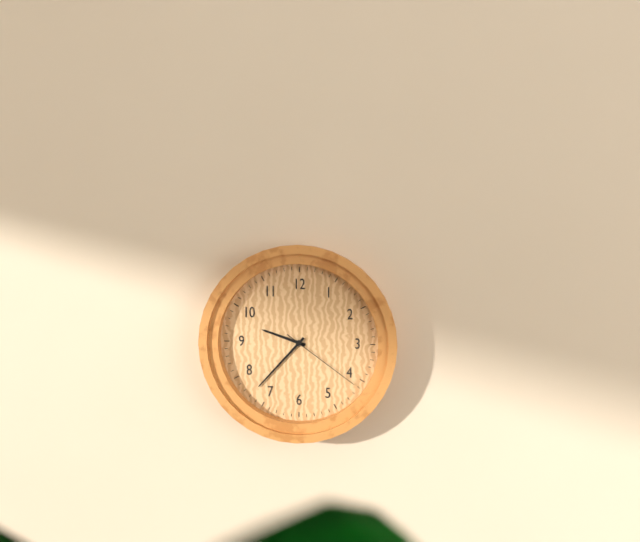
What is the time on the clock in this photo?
9:37:21
